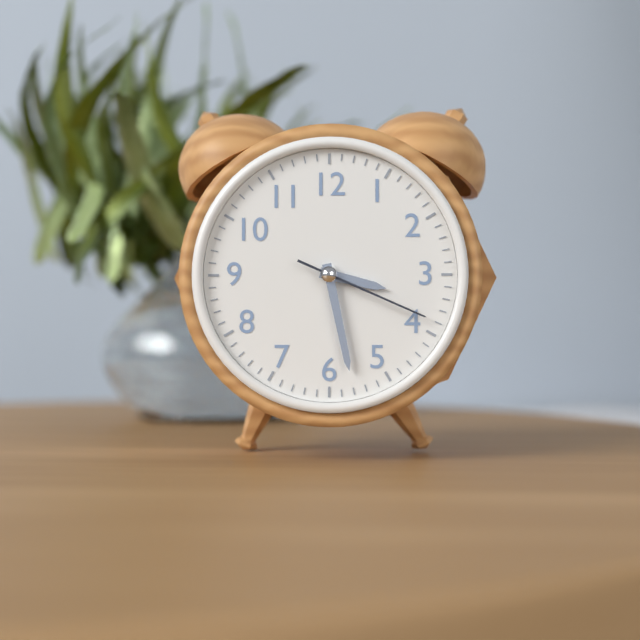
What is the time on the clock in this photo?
3:28:19
